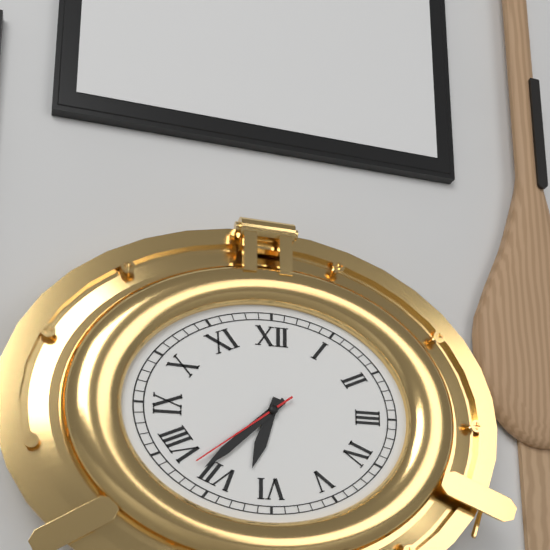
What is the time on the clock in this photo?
6:38:39
